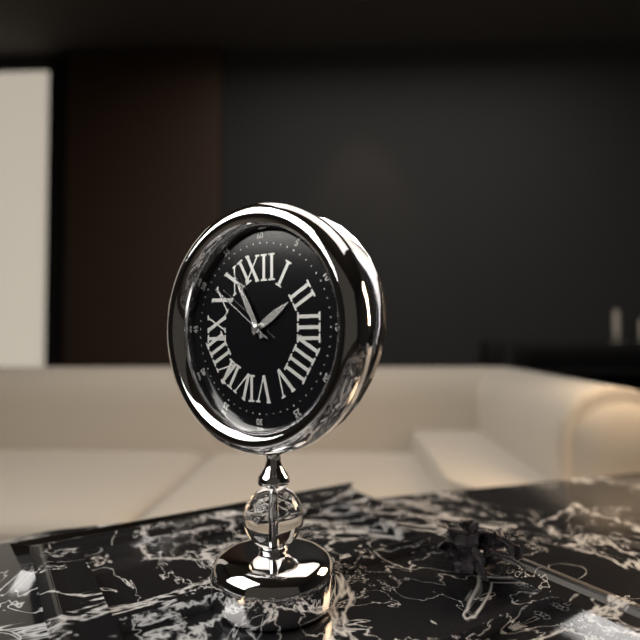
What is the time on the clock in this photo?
1:55:51
